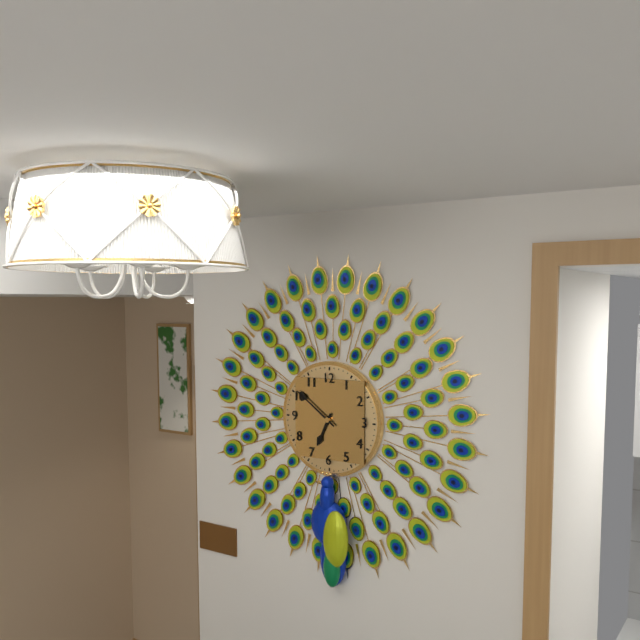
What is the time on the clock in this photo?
6:51
